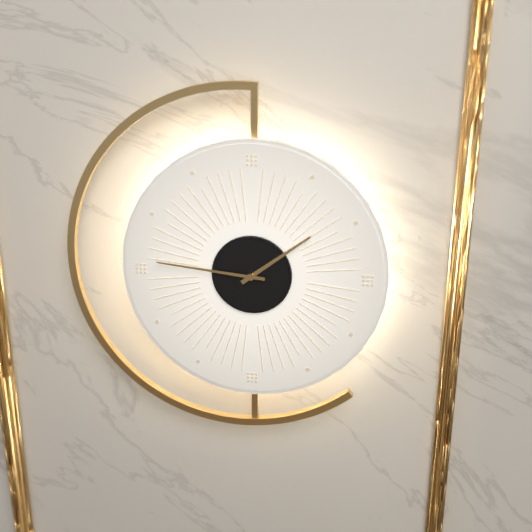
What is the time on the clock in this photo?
1:46
